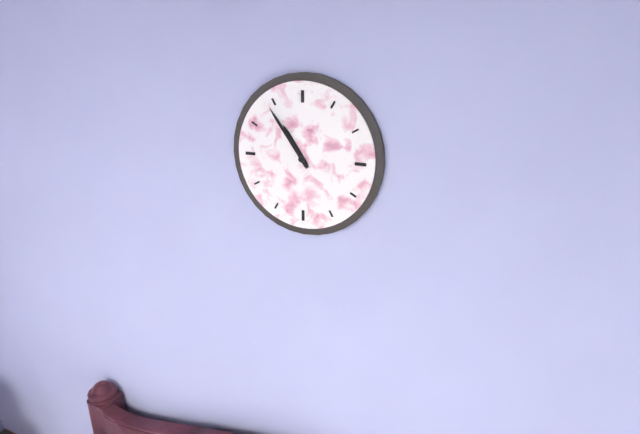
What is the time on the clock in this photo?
10:54
